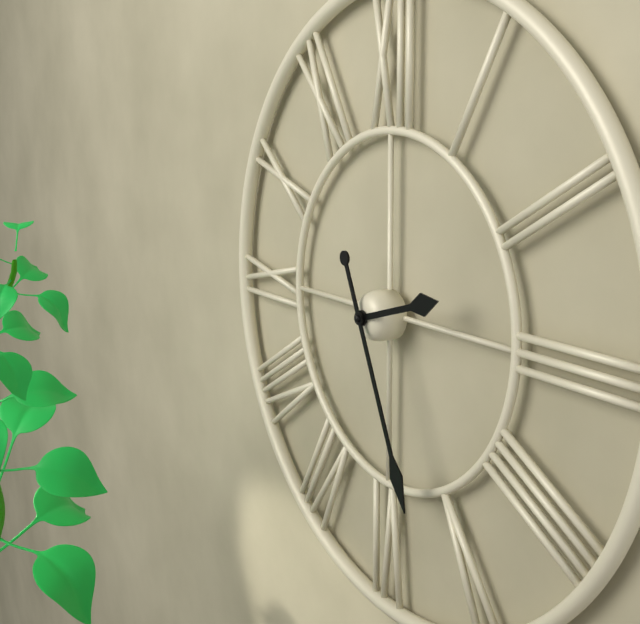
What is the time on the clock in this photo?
2:26
